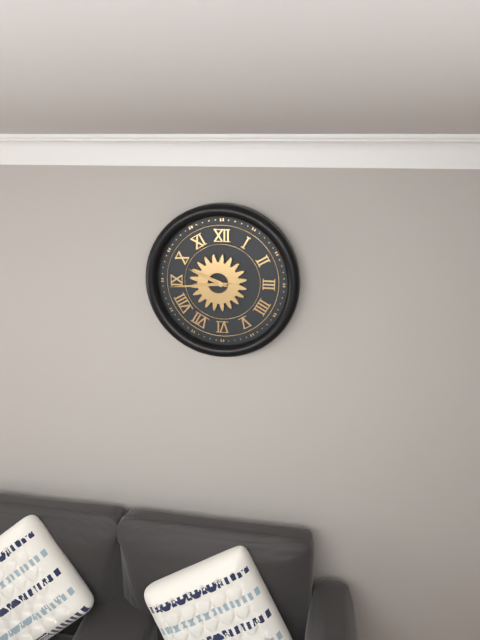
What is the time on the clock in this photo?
9:44
